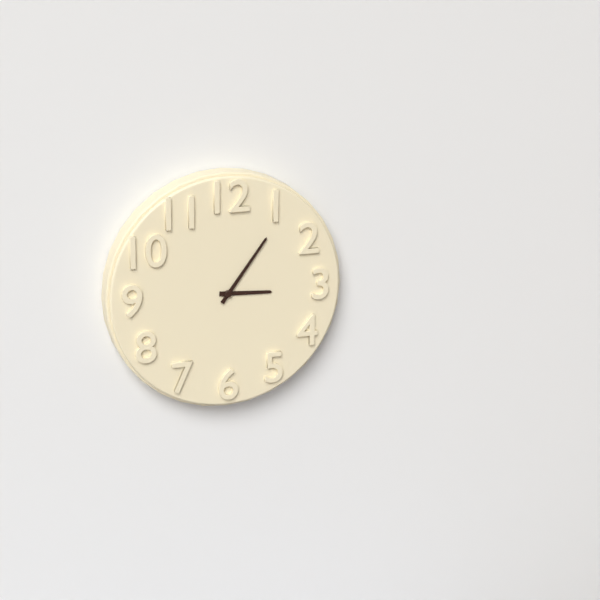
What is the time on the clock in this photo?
3:06
